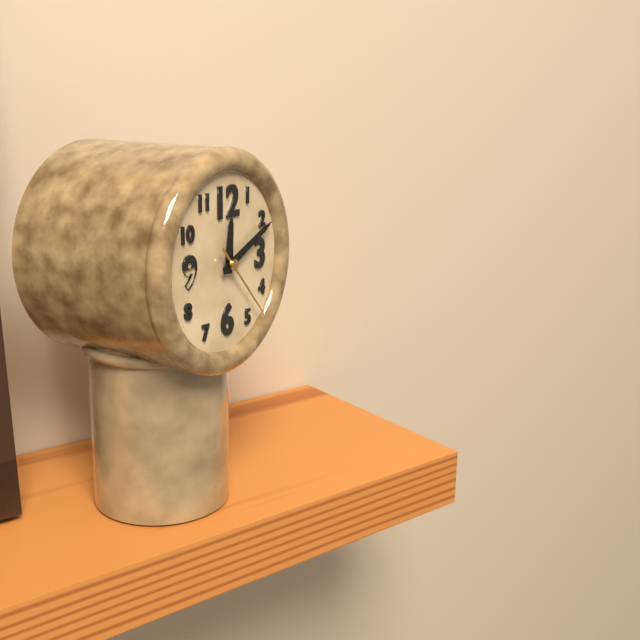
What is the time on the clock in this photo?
12:11:23
